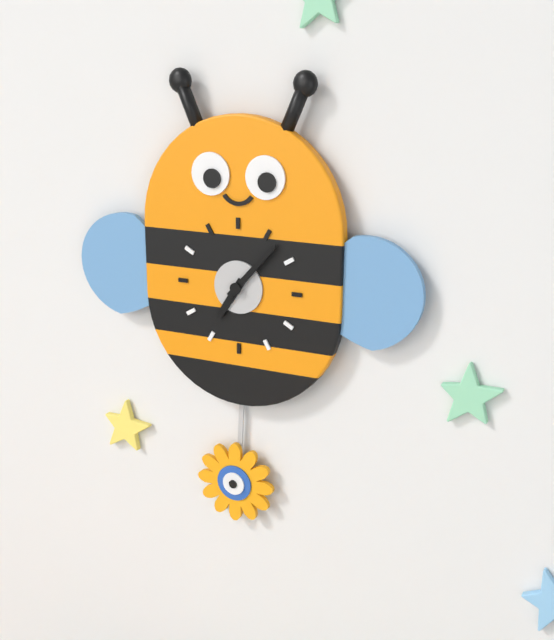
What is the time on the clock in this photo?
7:07
